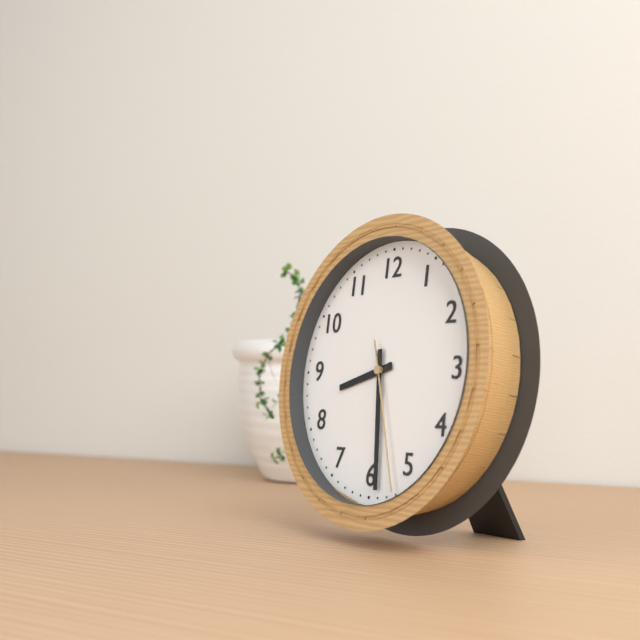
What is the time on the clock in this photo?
8:29:27
